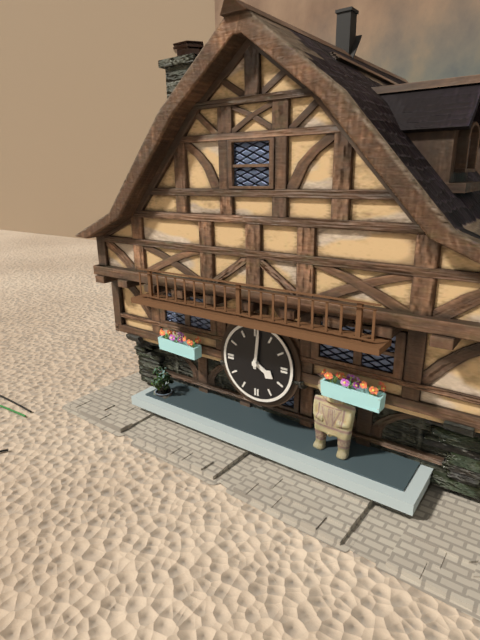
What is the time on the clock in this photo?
4:01
